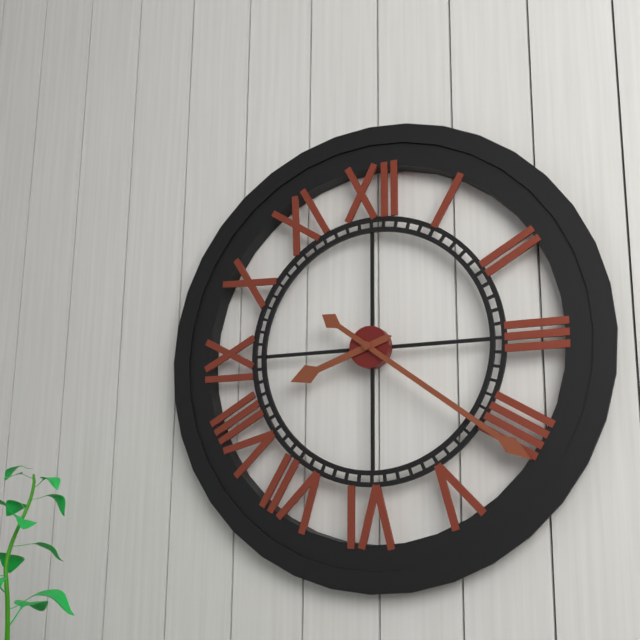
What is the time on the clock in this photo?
8:21
